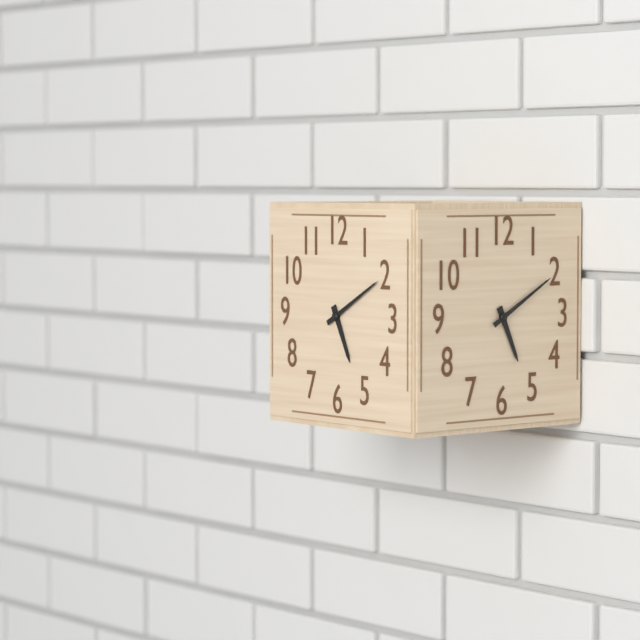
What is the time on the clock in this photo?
5:10
